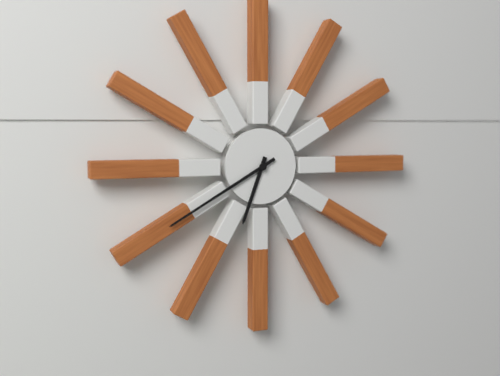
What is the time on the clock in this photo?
6:40
